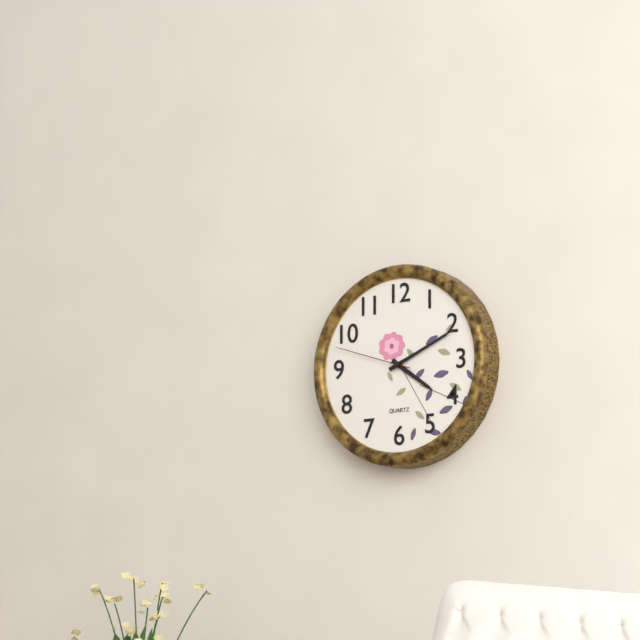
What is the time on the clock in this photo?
4:11:48
